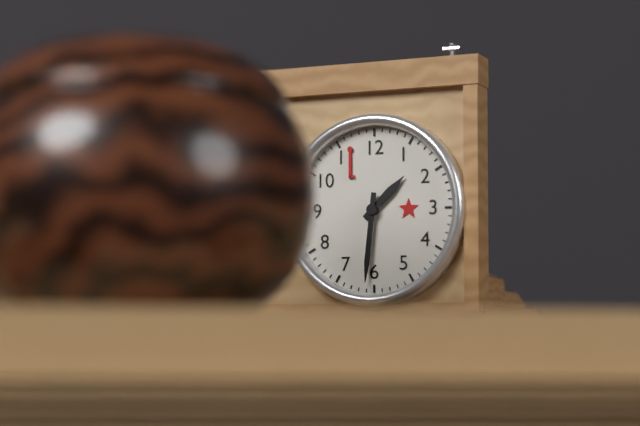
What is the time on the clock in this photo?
1:31
